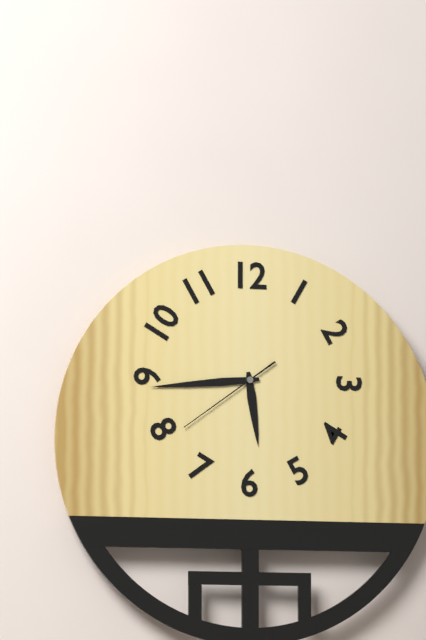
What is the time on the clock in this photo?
5:44:39
